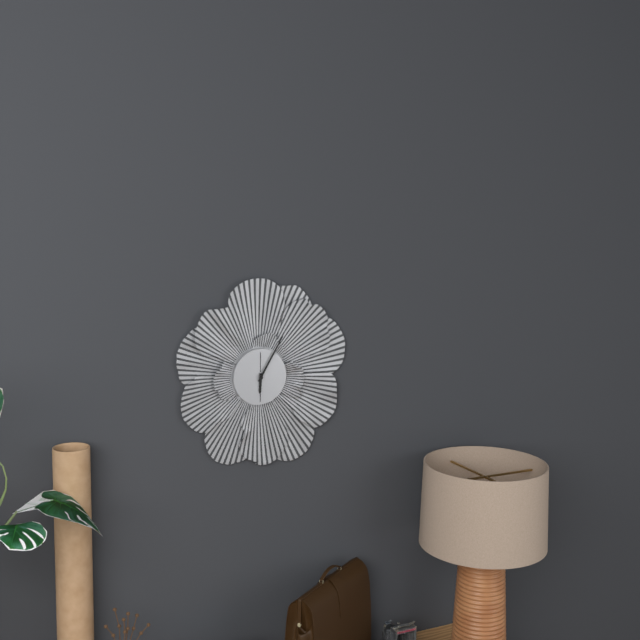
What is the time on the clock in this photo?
6:05
